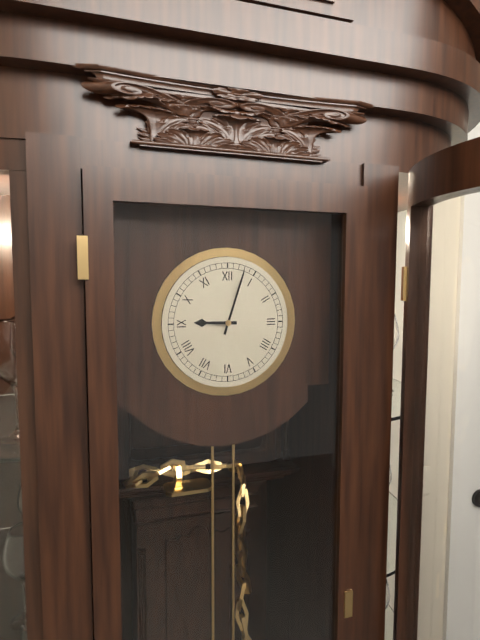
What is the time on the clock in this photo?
9:03
